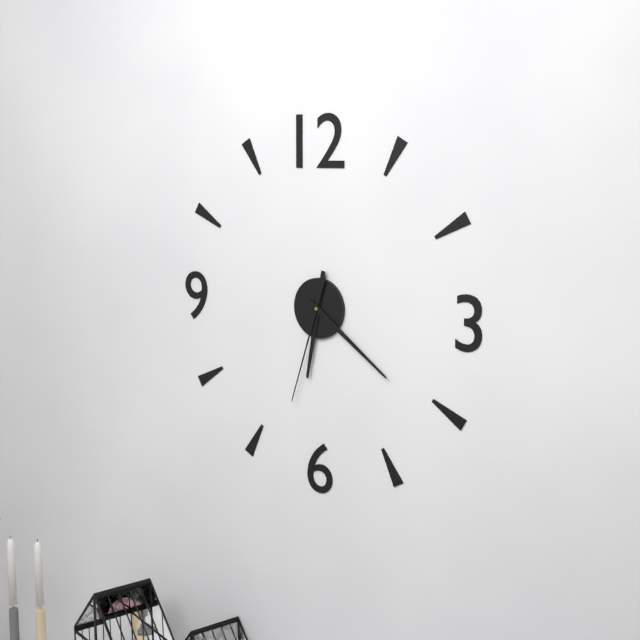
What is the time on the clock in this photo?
6:21:33
